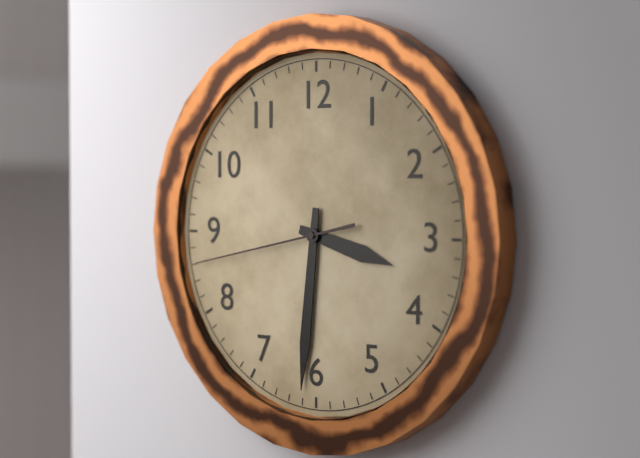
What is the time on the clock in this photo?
3:31:43
